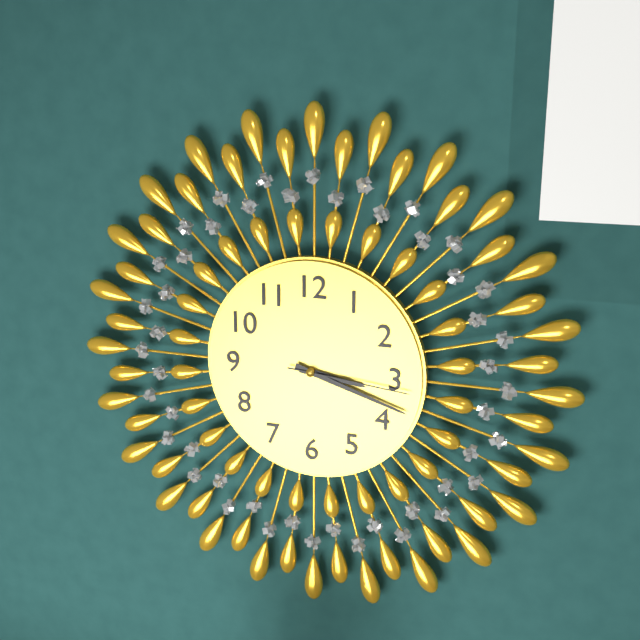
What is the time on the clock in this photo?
3:18:16
